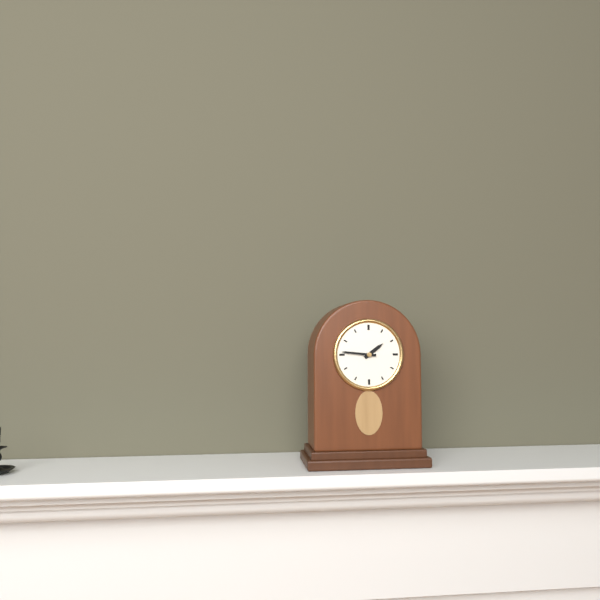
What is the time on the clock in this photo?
1:46
